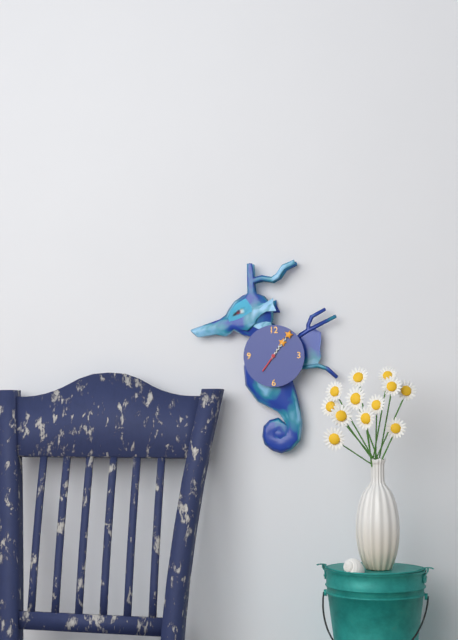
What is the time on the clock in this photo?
1:06
